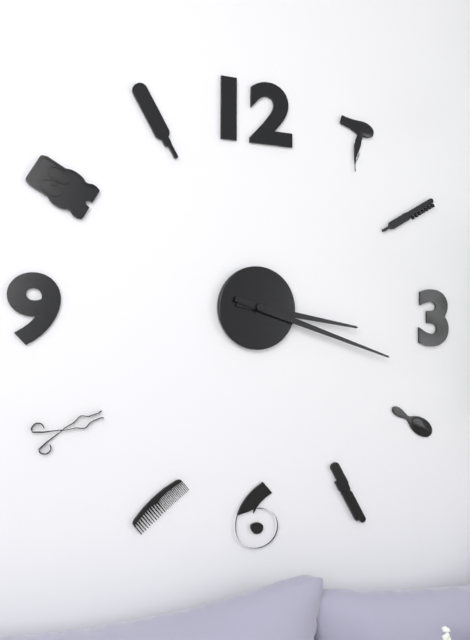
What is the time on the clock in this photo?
3:18
